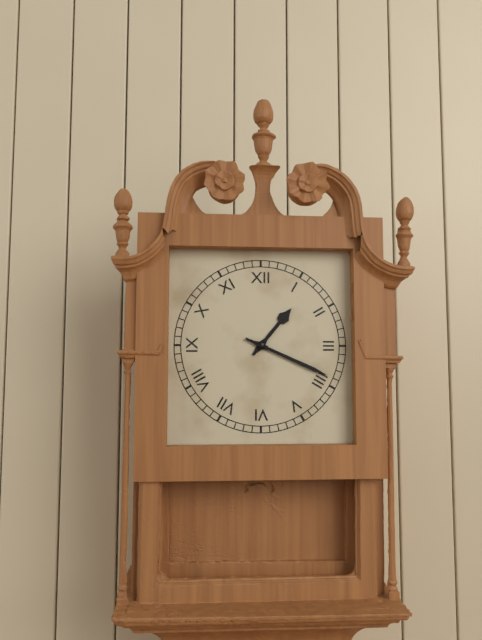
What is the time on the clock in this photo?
1:19
